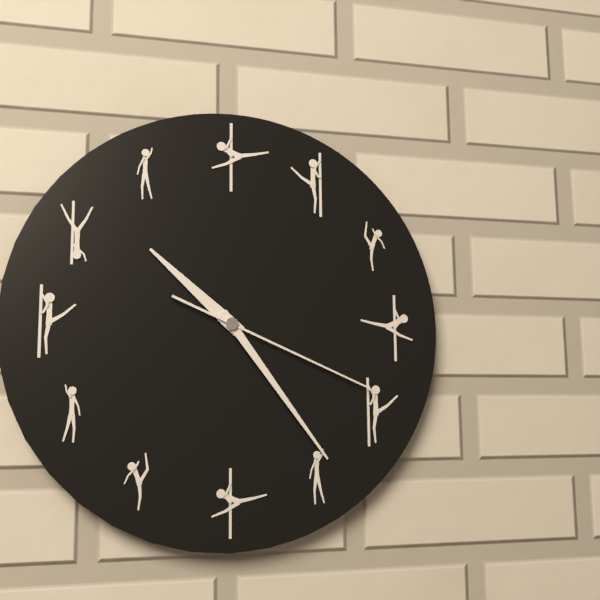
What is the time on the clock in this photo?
10:24:19
